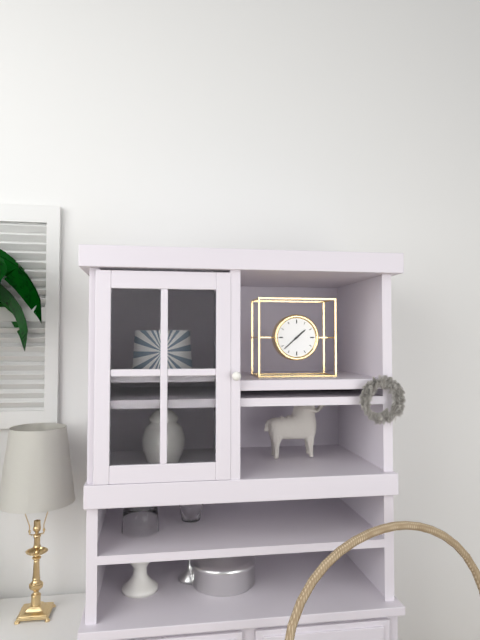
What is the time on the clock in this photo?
1:38
